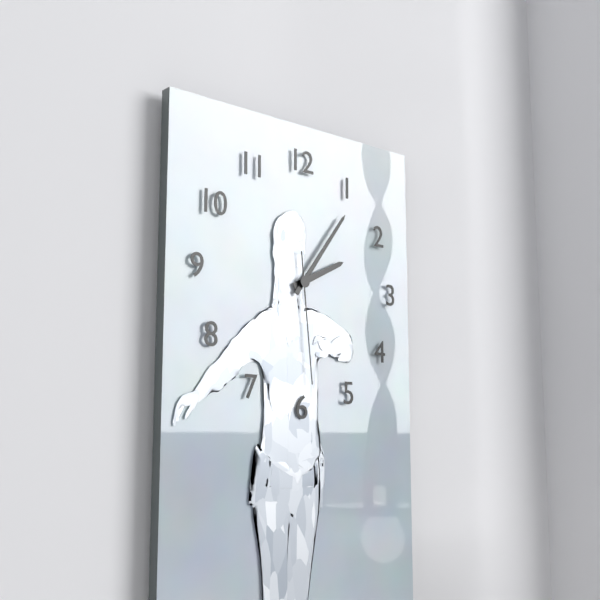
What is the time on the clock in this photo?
2:06:29
